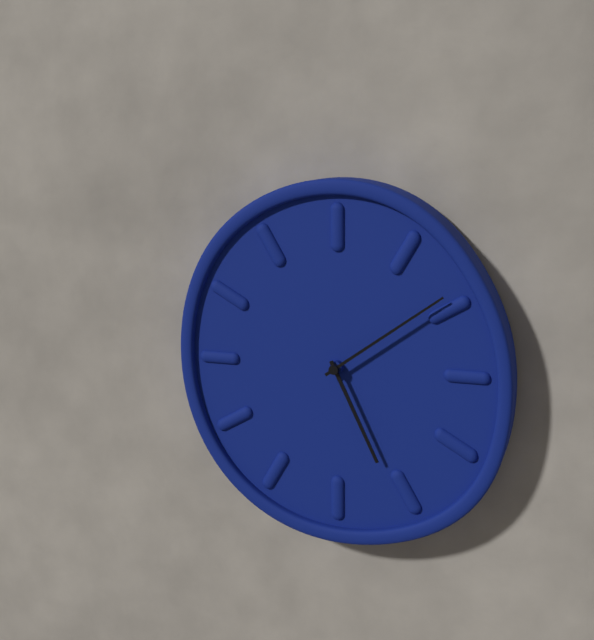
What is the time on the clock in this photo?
5:09
